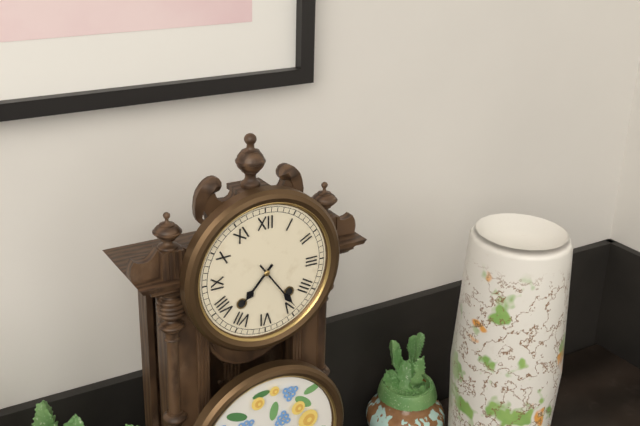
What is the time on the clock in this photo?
7:24
